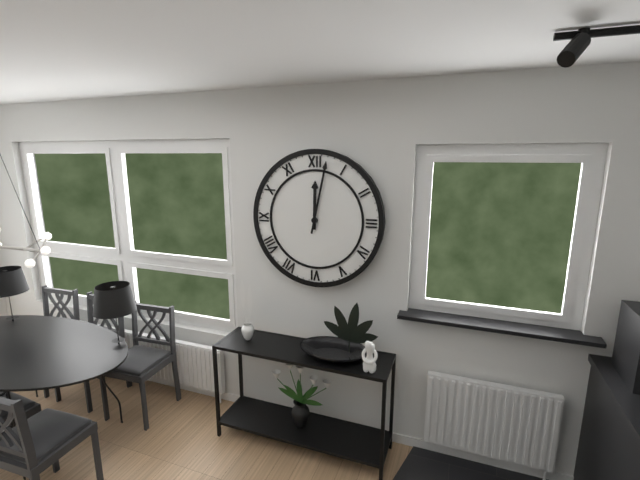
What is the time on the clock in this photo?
12:02
